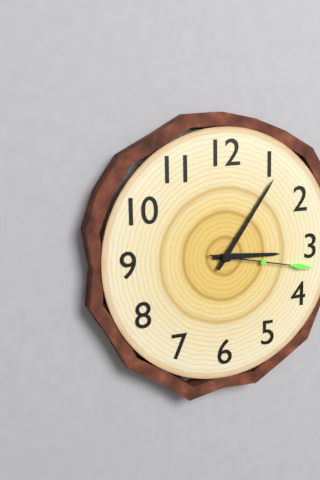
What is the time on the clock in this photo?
3:06:17
